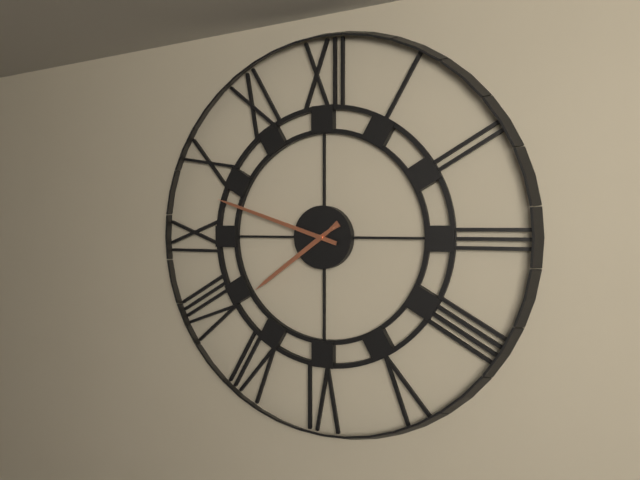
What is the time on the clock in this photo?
7:48
